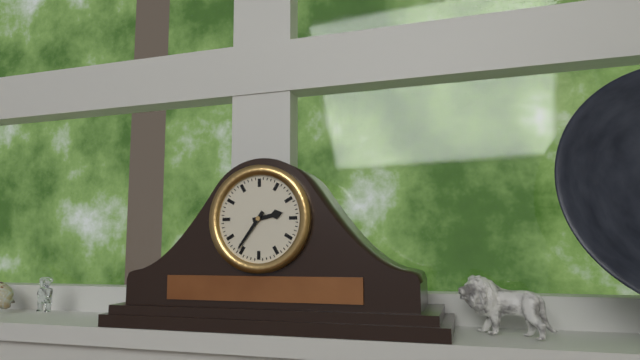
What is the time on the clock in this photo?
2:36
